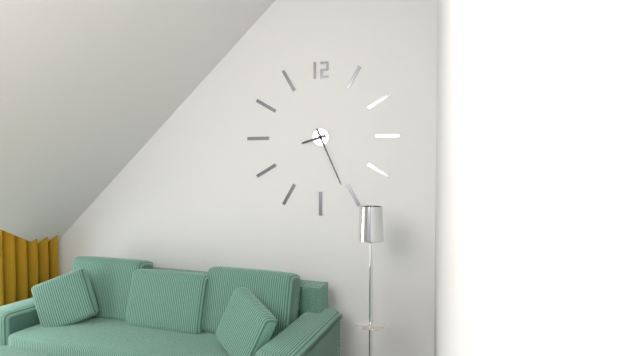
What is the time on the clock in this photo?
8:26
